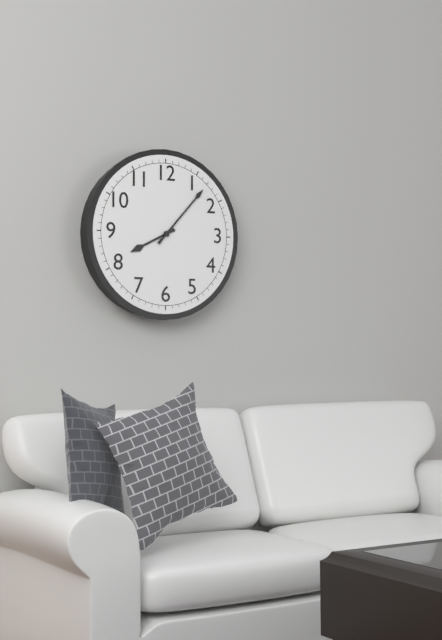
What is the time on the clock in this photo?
8:07
